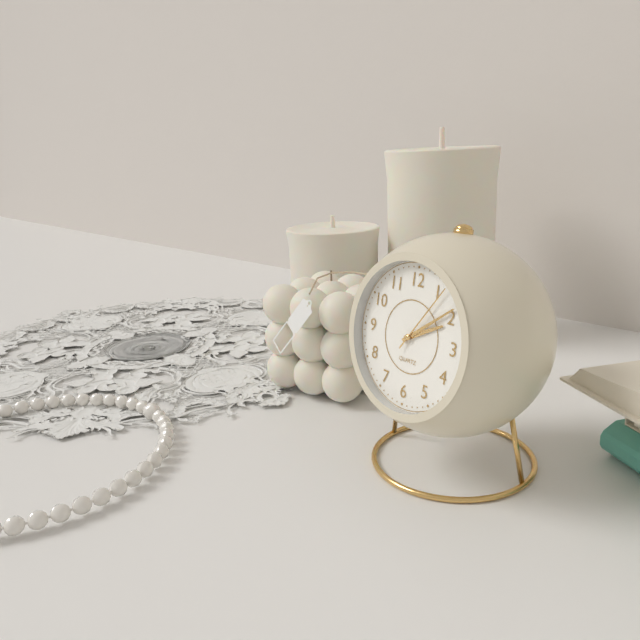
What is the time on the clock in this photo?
2:09:06
